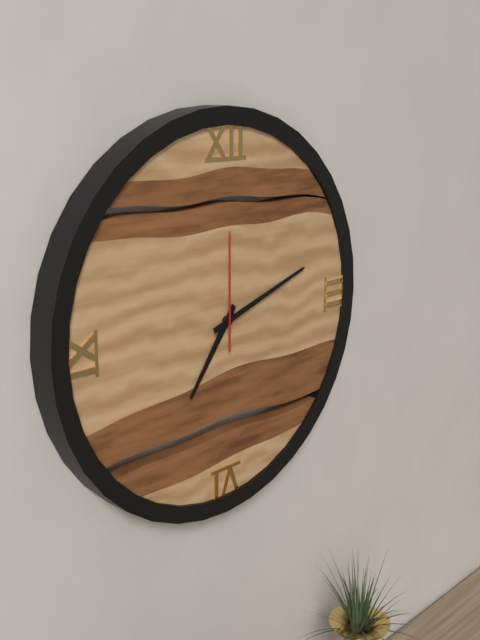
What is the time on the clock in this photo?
7:12:00
